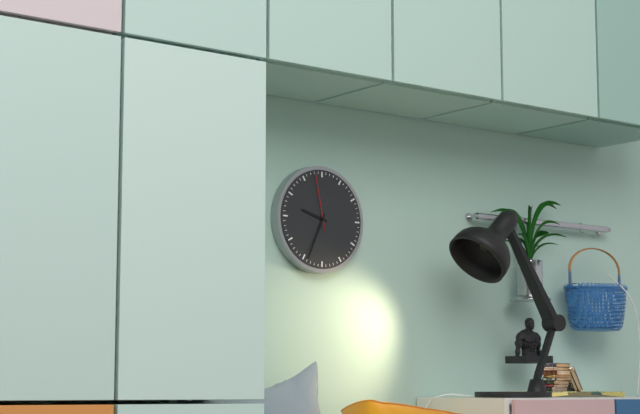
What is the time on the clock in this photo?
9:34:58
